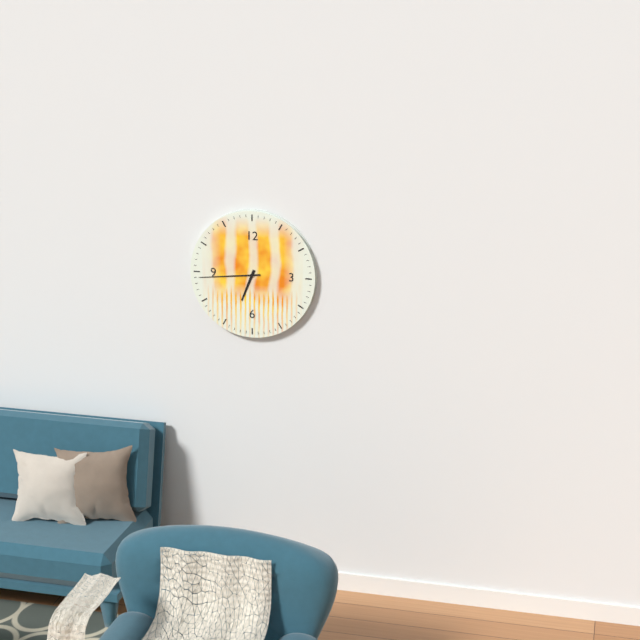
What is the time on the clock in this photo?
6:44
